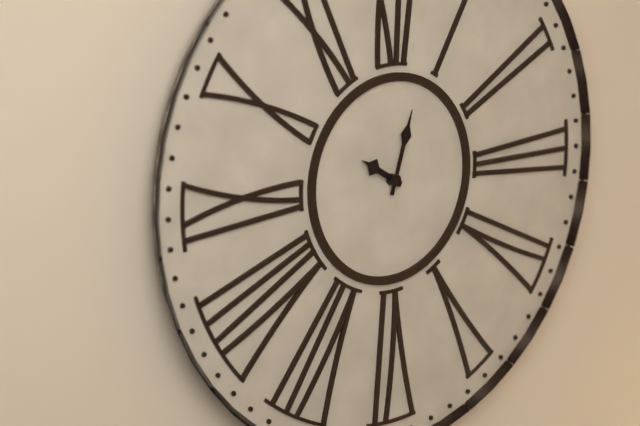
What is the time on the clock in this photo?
10:03
